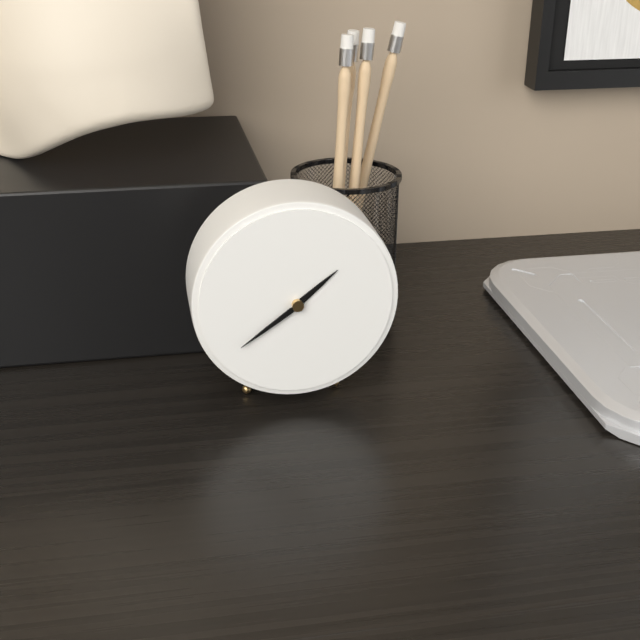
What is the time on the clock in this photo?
1:39
